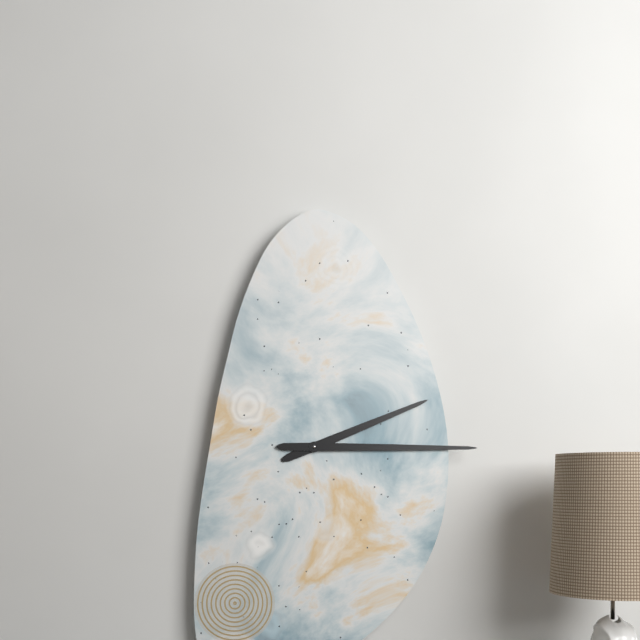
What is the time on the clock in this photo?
2:15
